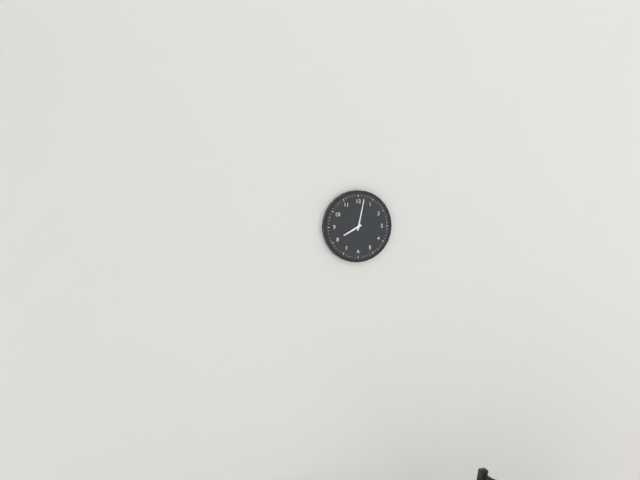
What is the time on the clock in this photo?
8:02
